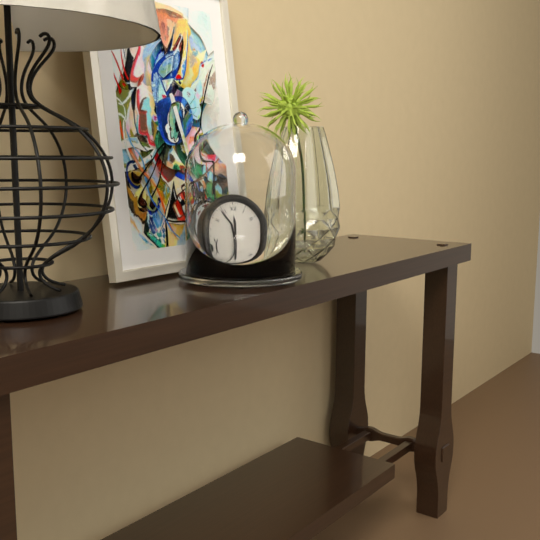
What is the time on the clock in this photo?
11:54
